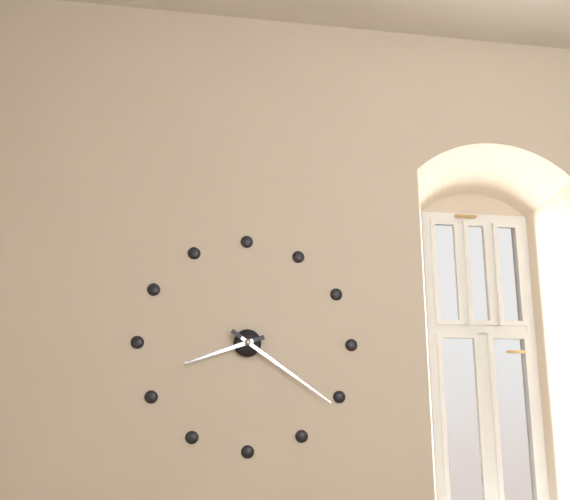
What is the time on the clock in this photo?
8:21
